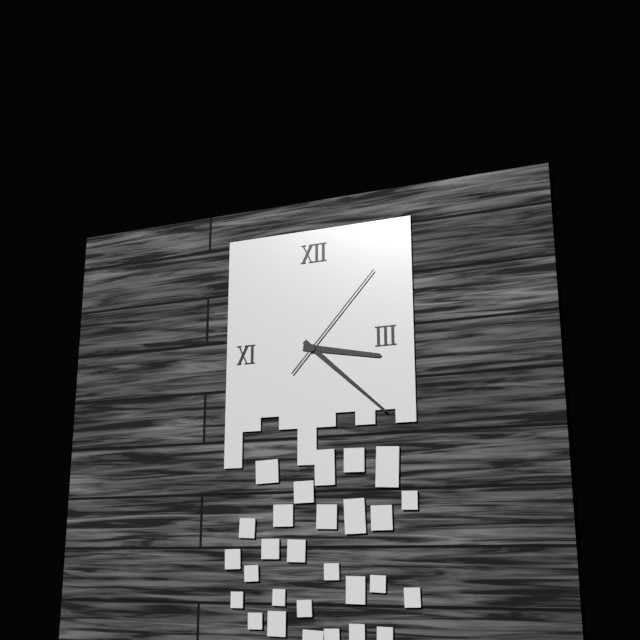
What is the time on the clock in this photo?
3:22:07
